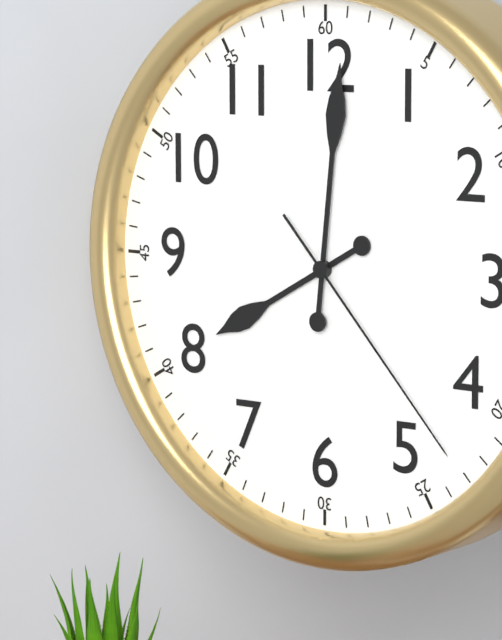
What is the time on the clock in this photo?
8:01:23
